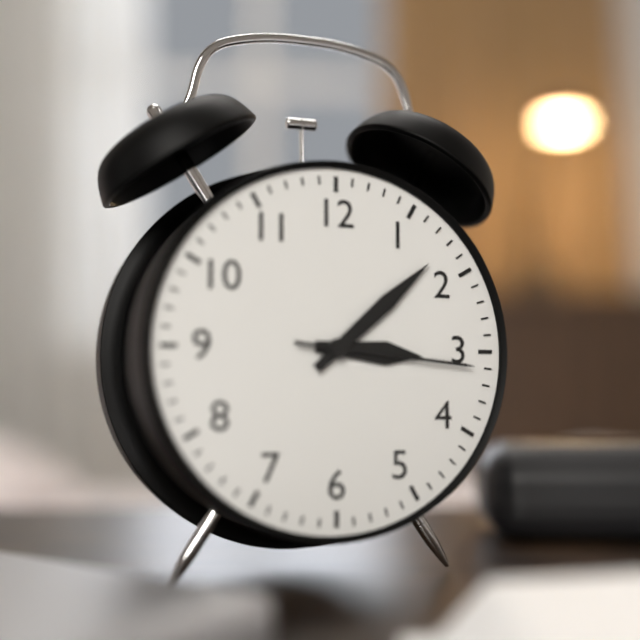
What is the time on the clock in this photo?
3:08:16
